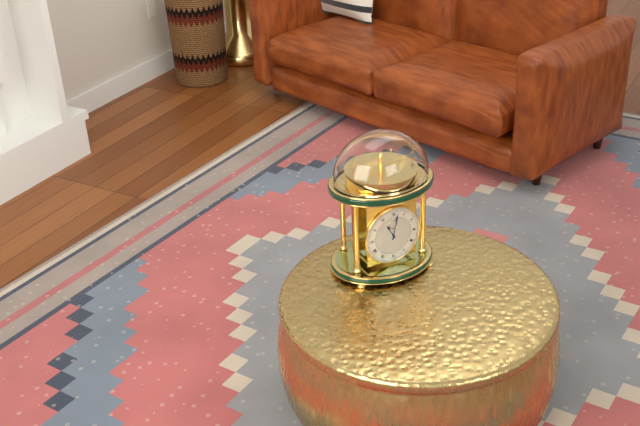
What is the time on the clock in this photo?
11:02
